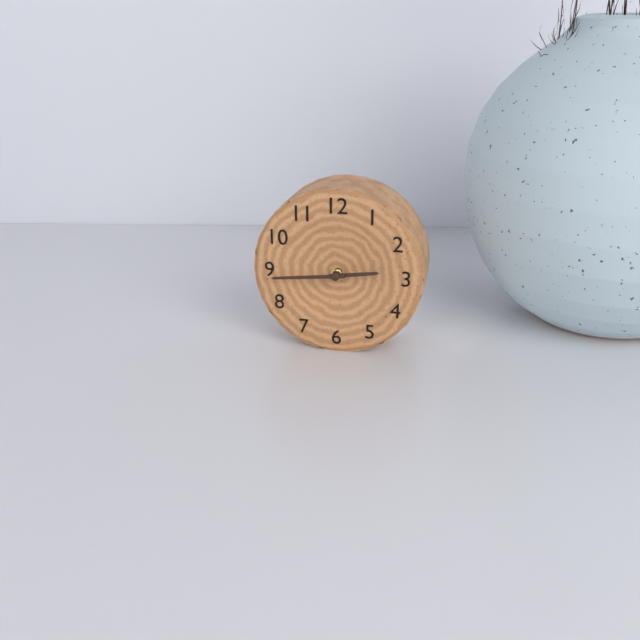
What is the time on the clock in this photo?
2:44
